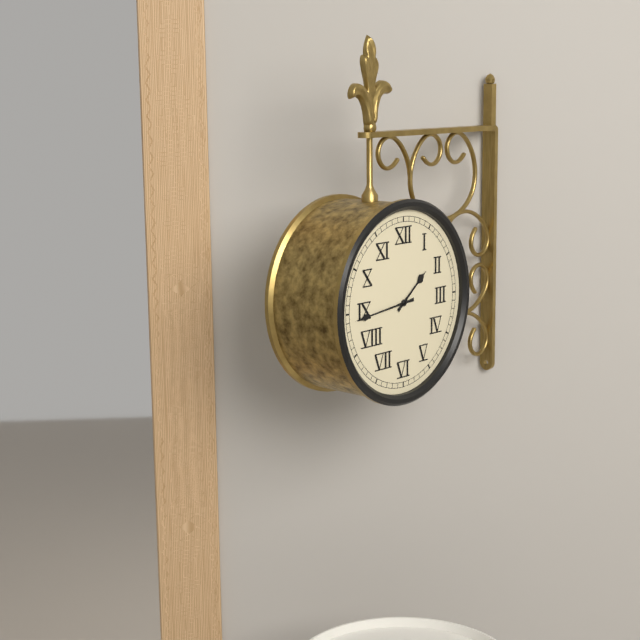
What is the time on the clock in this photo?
1:44
